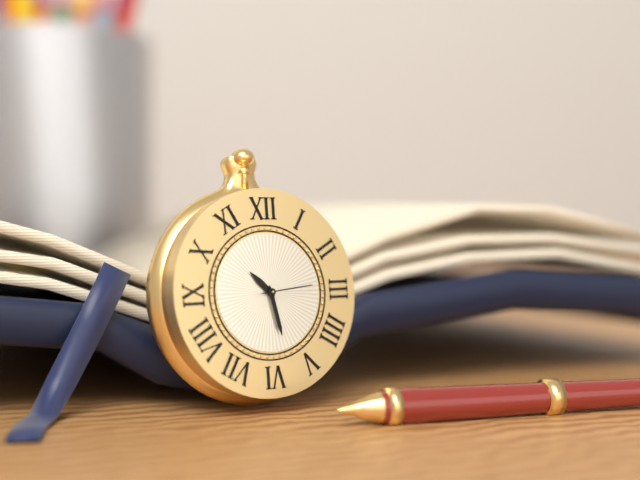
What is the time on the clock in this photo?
10:28:14
